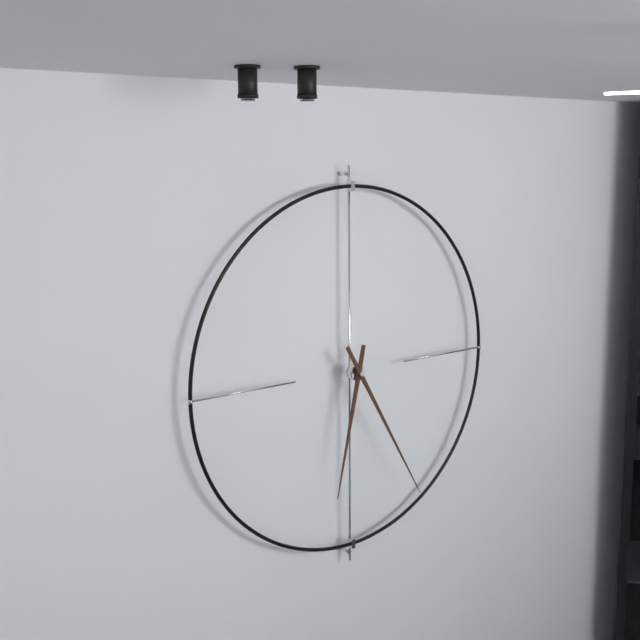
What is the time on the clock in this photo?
6:25
